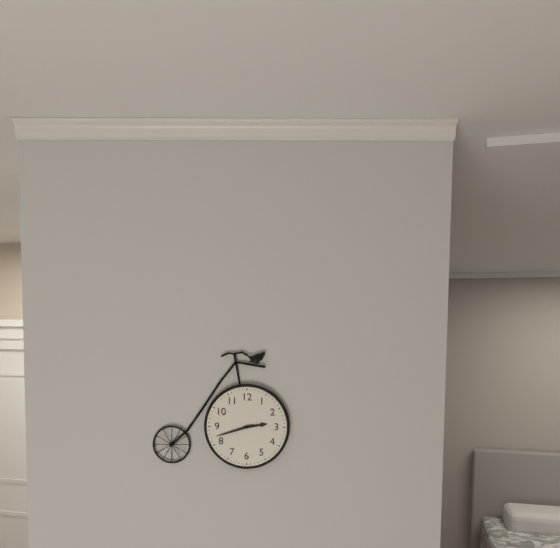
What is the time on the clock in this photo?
2:42
